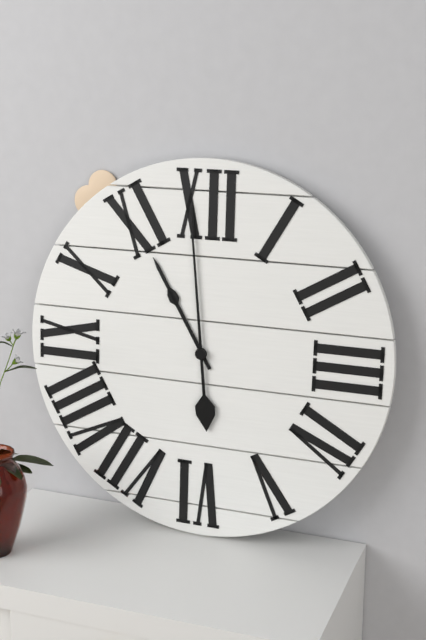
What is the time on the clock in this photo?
10:59
